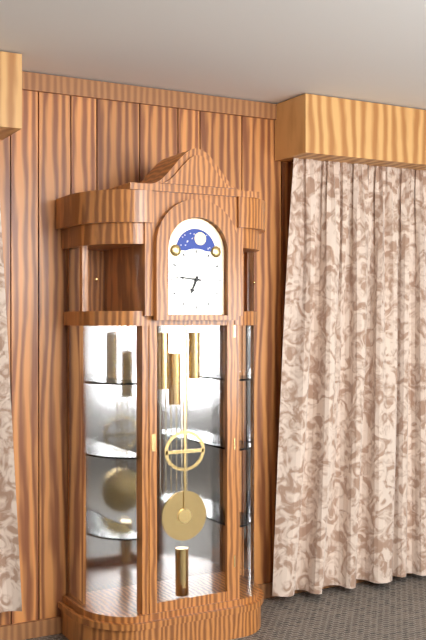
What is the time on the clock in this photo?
6:46
